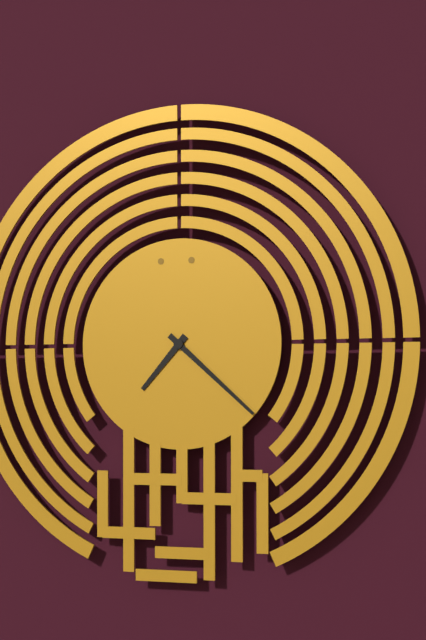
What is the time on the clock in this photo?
7:22
